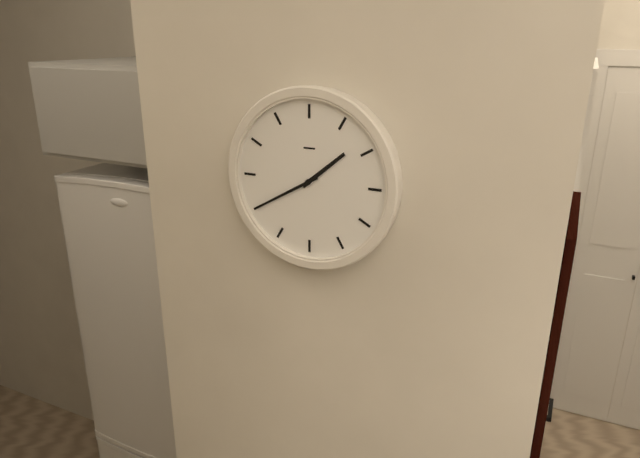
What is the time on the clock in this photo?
1:40
